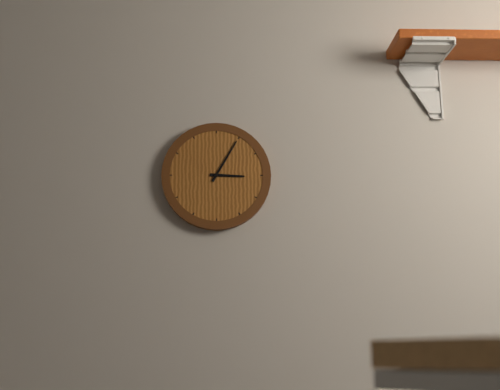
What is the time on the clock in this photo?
3:05
